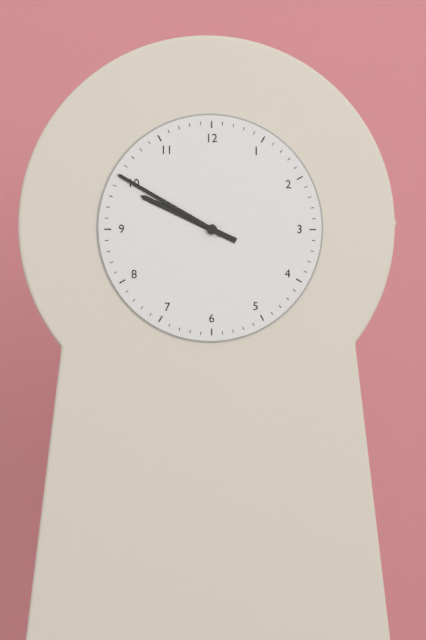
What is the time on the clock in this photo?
9:50
